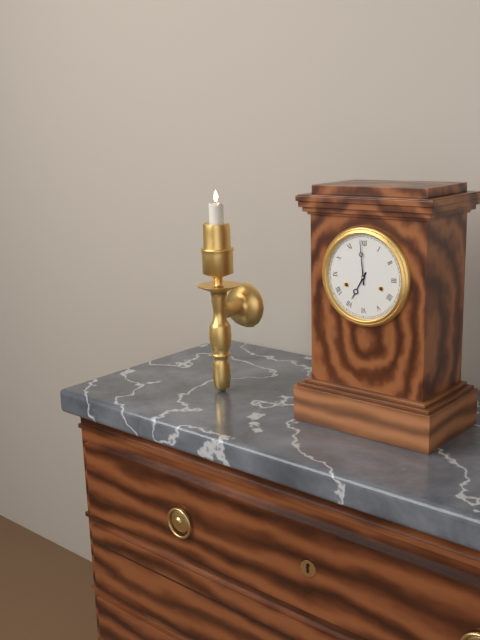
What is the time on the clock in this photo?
6:59
